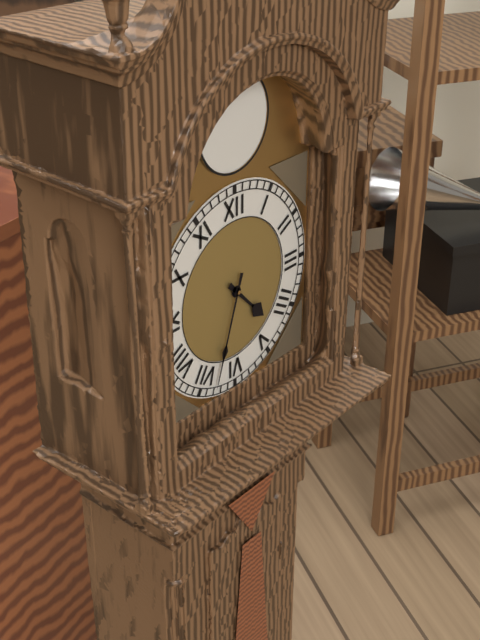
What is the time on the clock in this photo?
4:33
